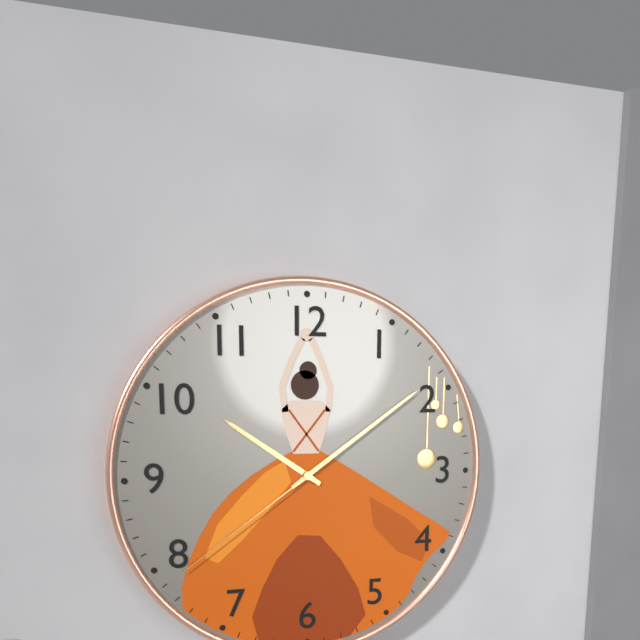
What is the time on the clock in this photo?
10:09:39
